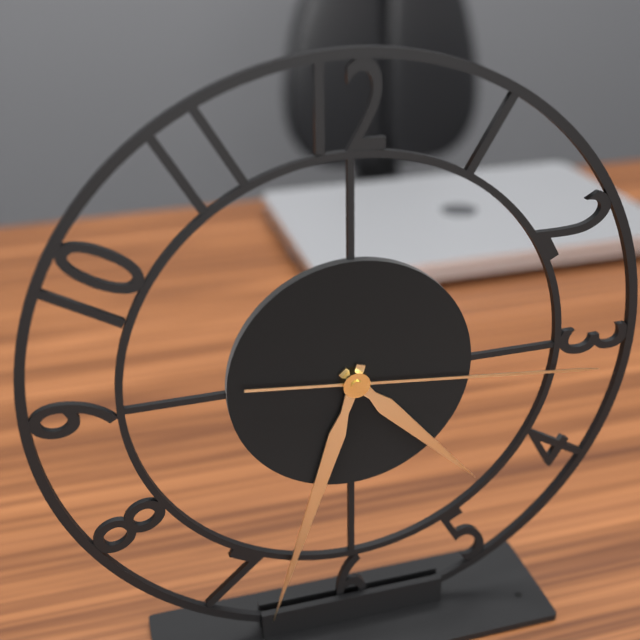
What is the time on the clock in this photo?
4:33:16
